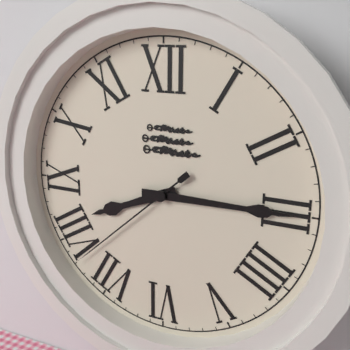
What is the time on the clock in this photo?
8:15:38
